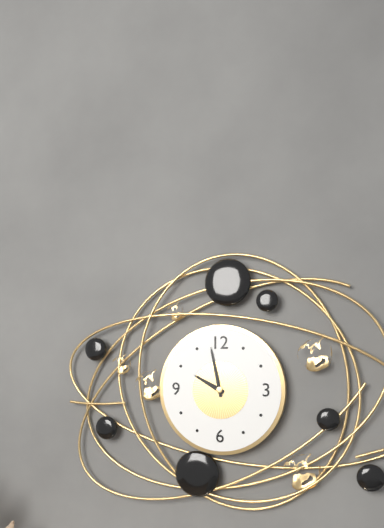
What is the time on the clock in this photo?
9:58
